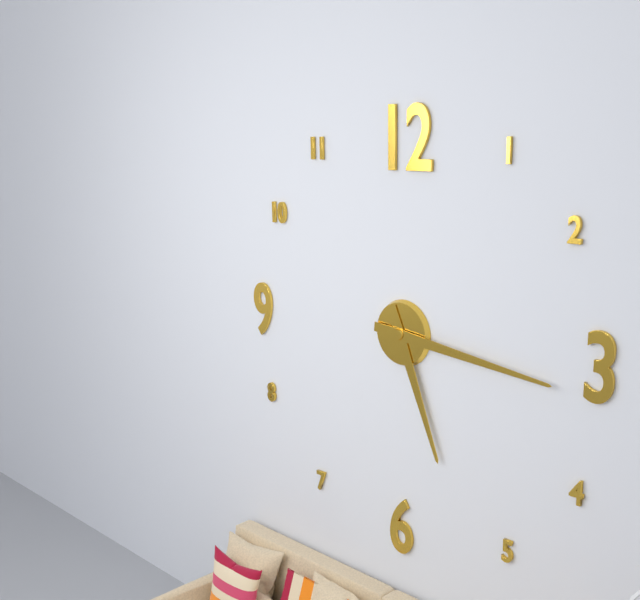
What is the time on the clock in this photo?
5:16
